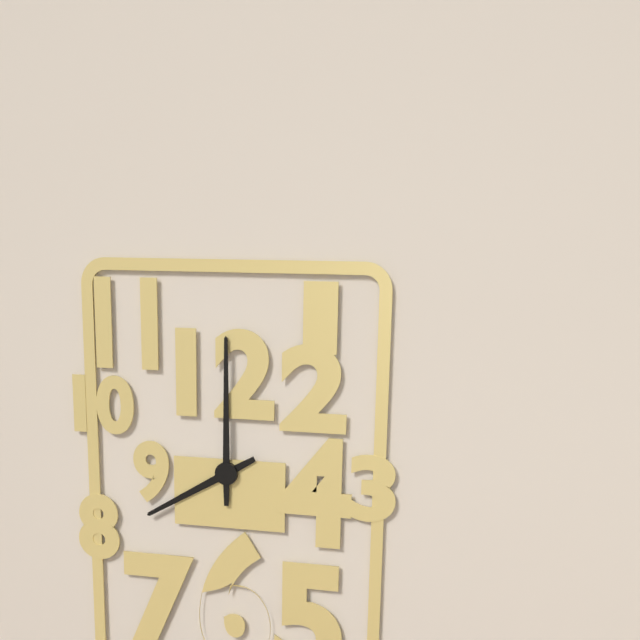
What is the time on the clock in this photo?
8:00
